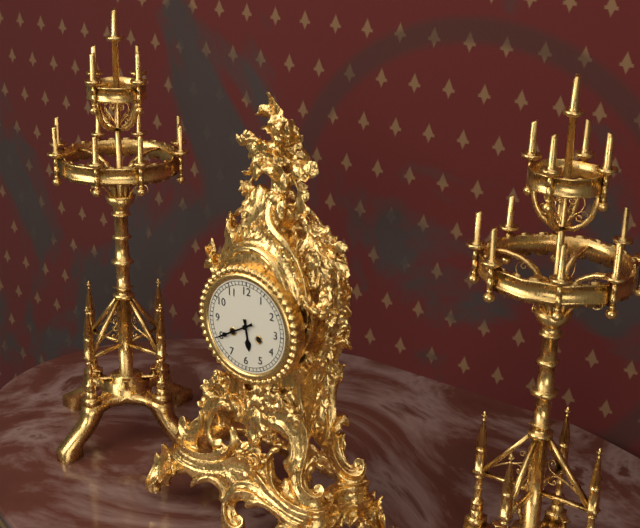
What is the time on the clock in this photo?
5:40
